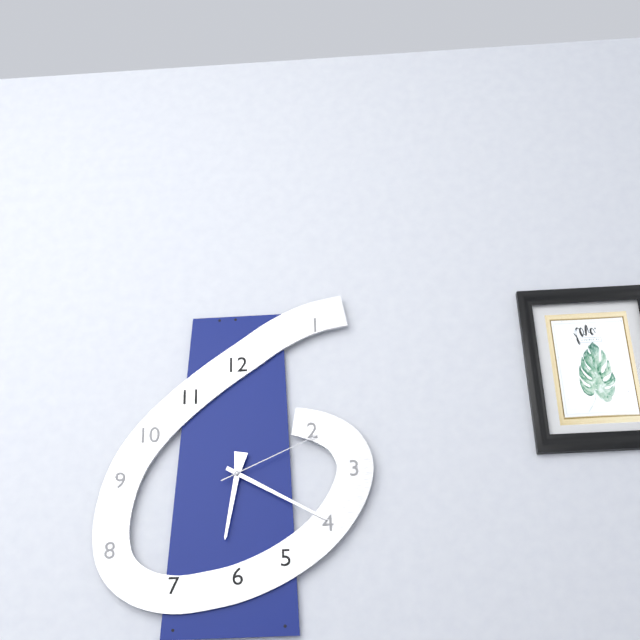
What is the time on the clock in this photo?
6:20:11
